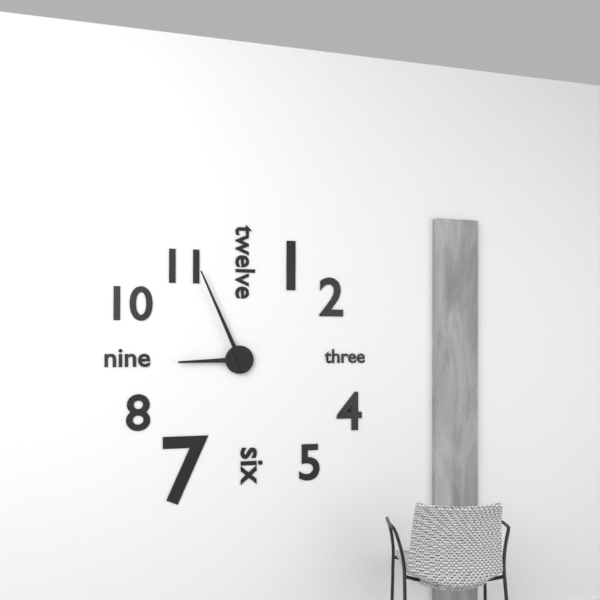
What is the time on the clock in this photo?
8:56
